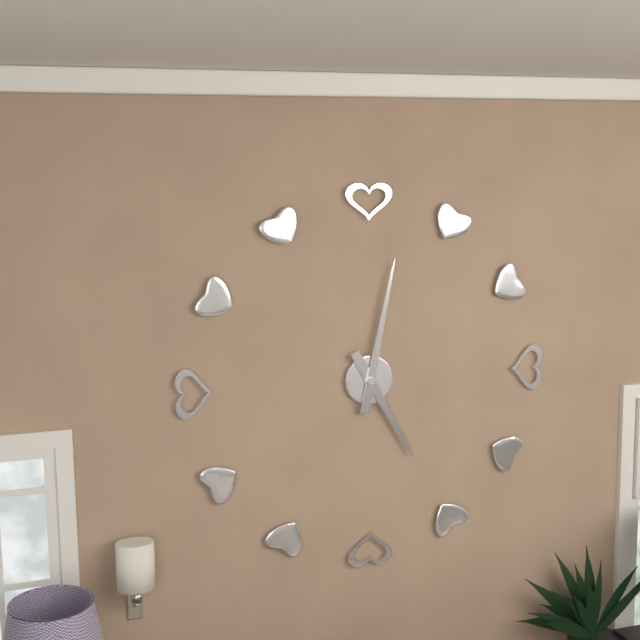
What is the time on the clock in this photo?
5:02
